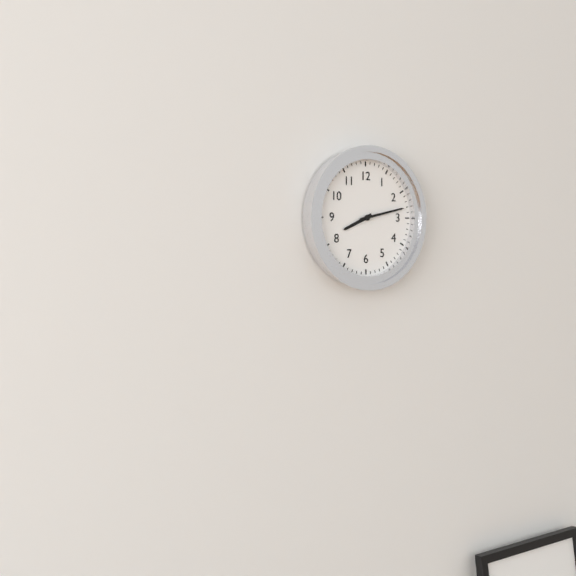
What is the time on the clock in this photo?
8:13
